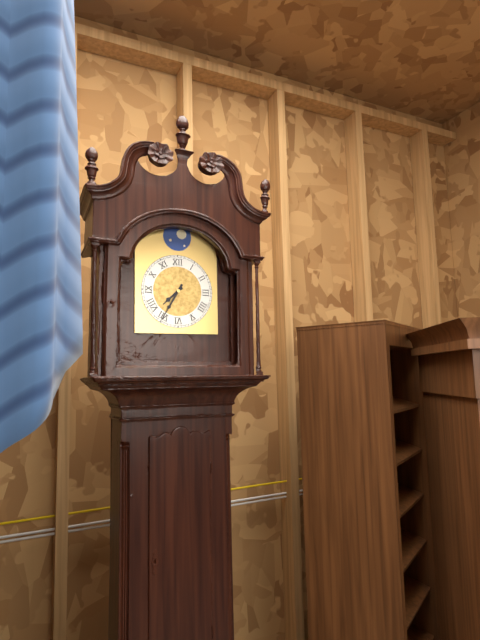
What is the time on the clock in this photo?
7:35
